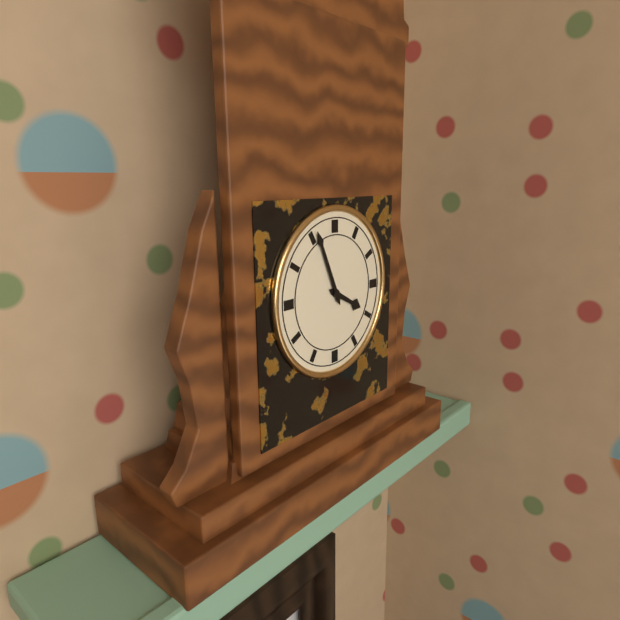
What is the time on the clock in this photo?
3:56
